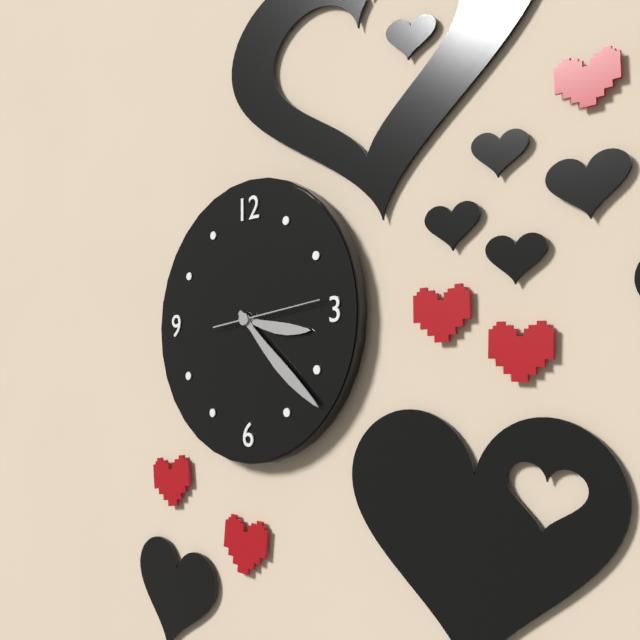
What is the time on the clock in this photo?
3:22:14
